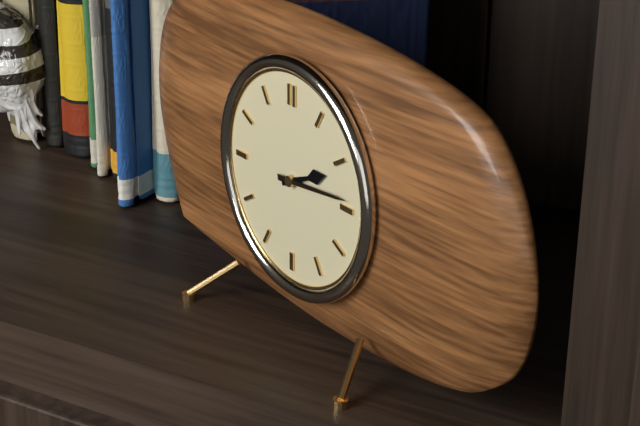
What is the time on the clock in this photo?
2:14
